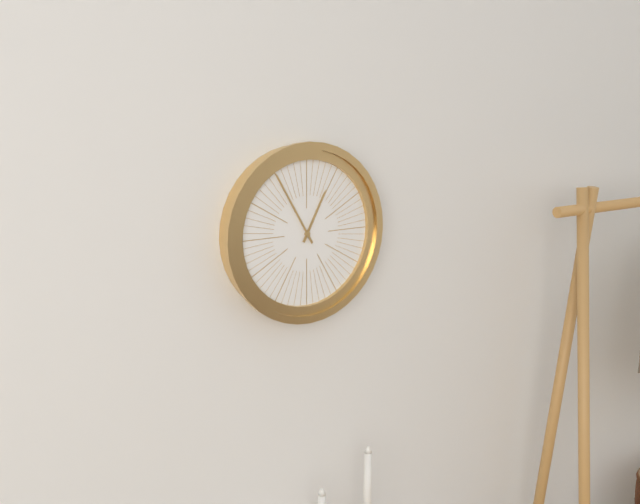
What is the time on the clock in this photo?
12:55
